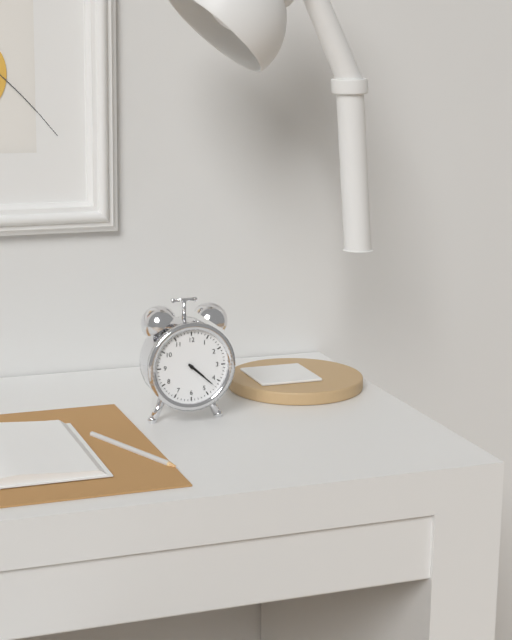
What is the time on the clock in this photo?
4:22
